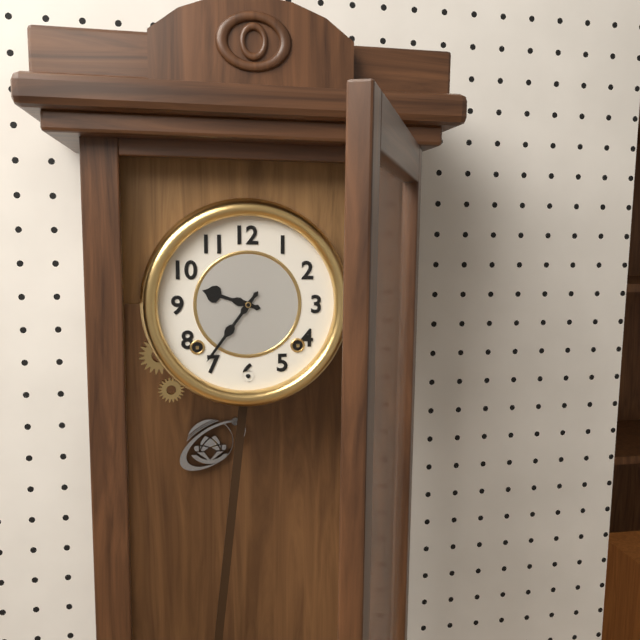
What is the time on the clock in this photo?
9:36
